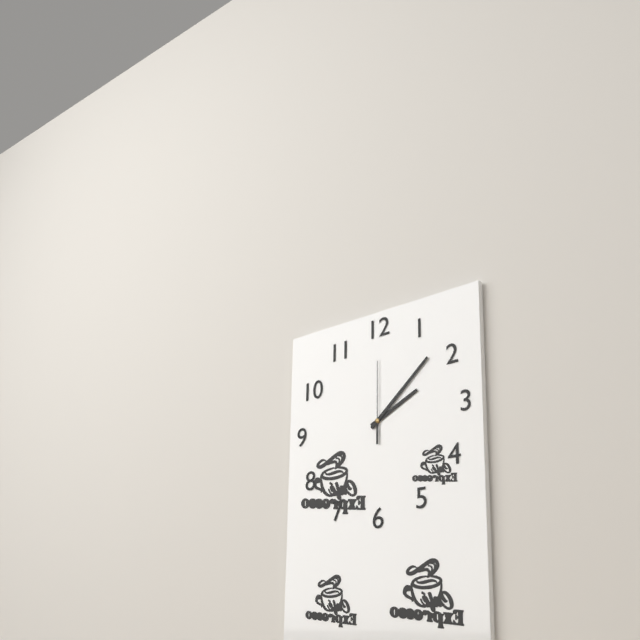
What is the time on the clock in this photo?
2:08:00
